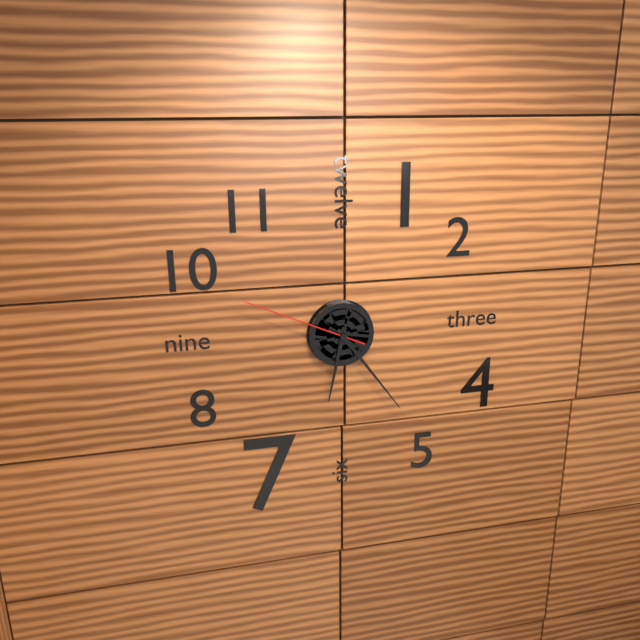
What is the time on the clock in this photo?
6:24:49
